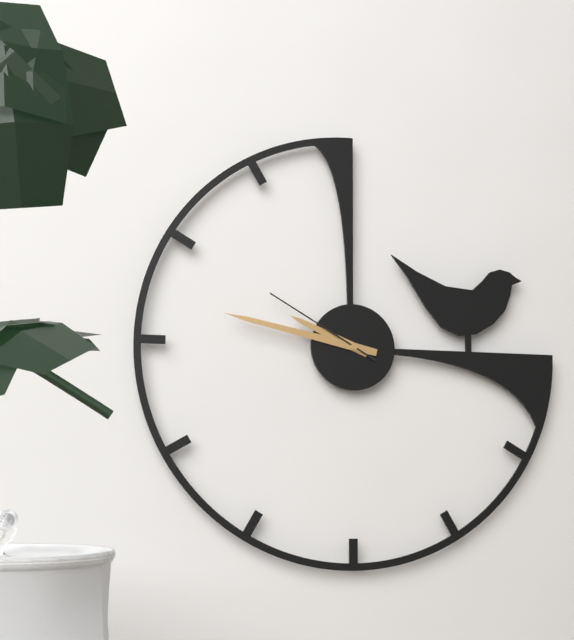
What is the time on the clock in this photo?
9:47:50
